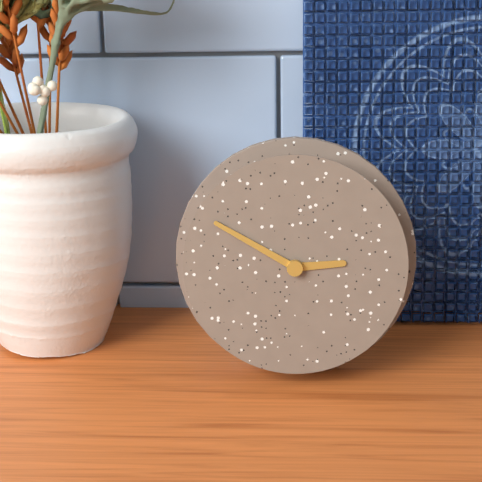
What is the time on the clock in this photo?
2:50
